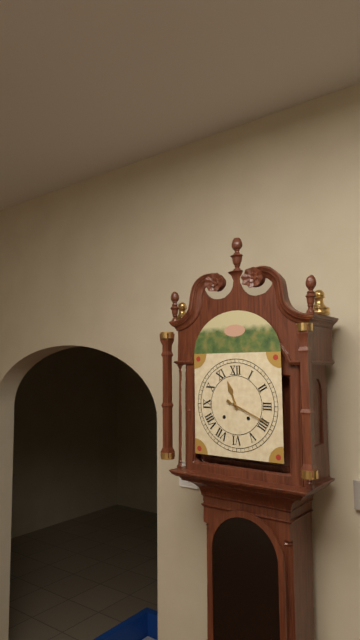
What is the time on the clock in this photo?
11:19
